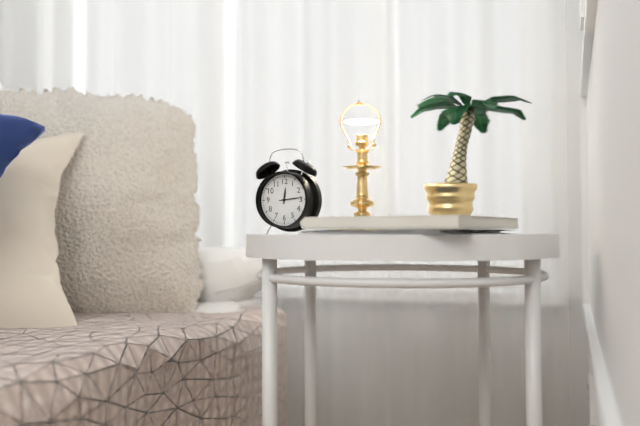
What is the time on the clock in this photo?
12:14
